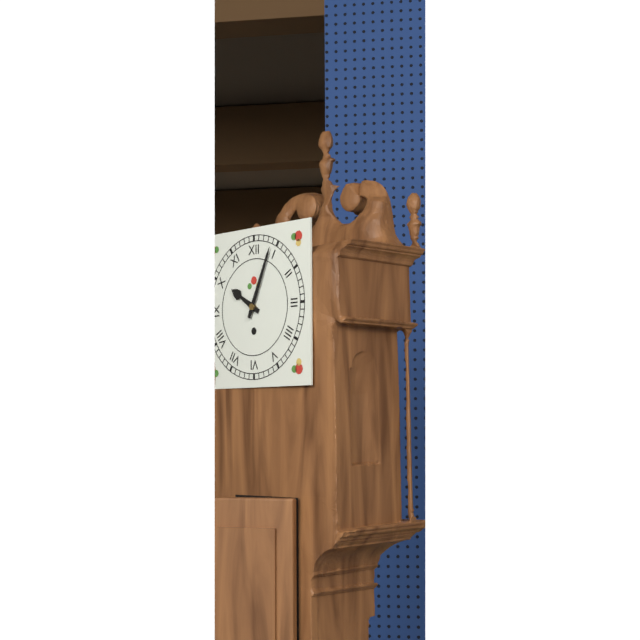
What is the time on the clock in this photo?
10:04
